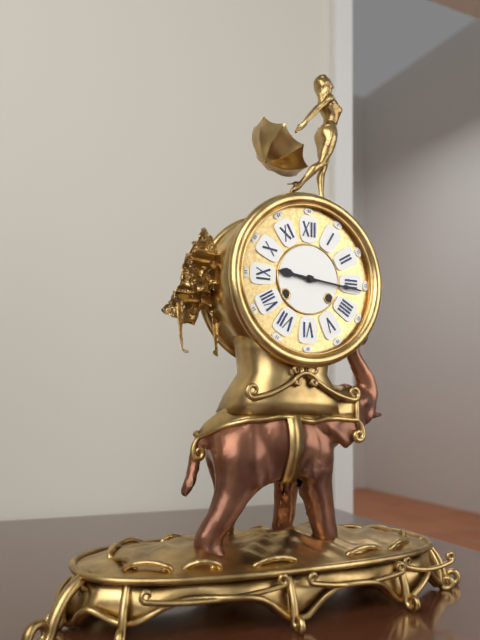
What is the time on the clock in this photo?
9:16
